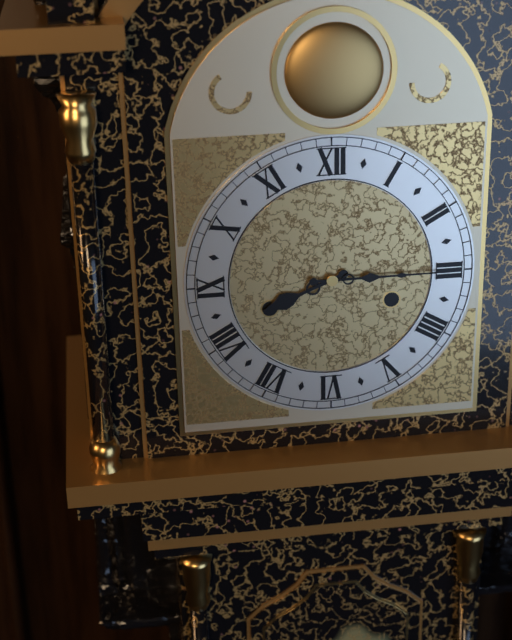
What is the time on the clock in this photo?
8:15
